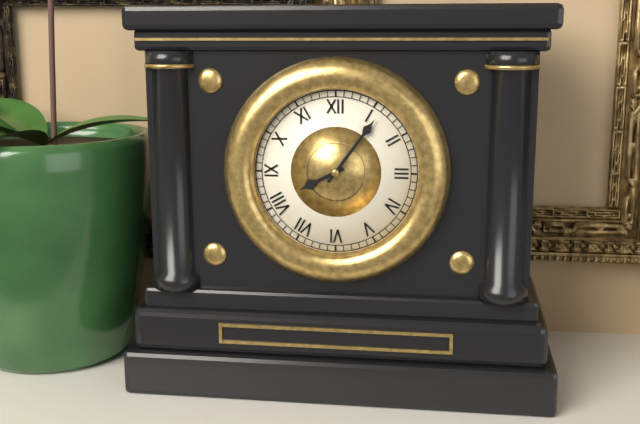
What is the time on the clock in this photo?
8:06
